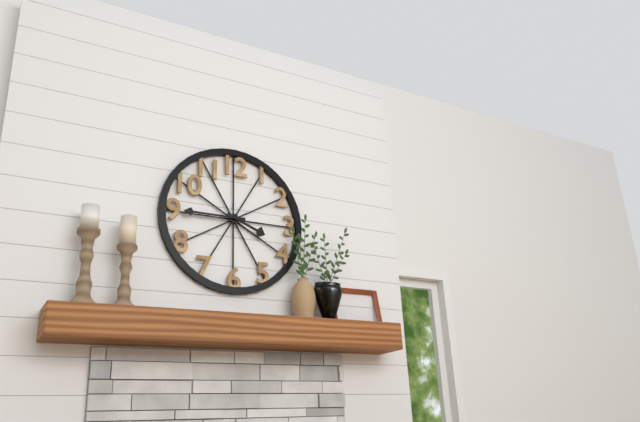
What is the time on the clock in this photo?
3:45
